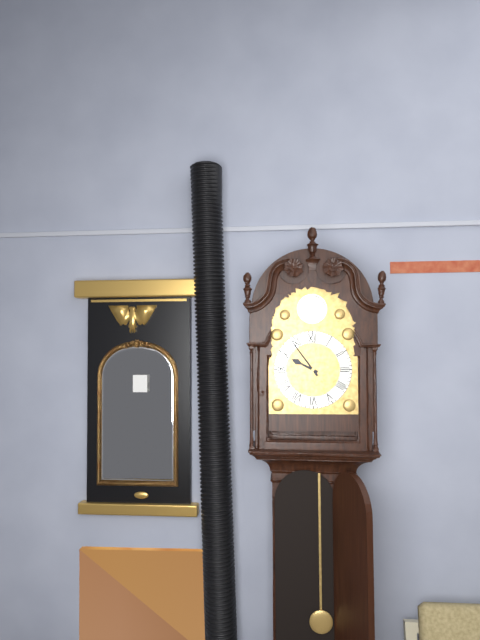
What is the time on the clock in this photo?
9:54
